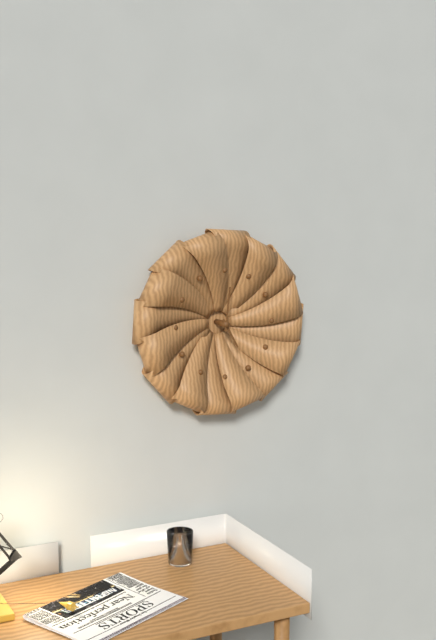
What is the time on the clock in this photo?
5:01
